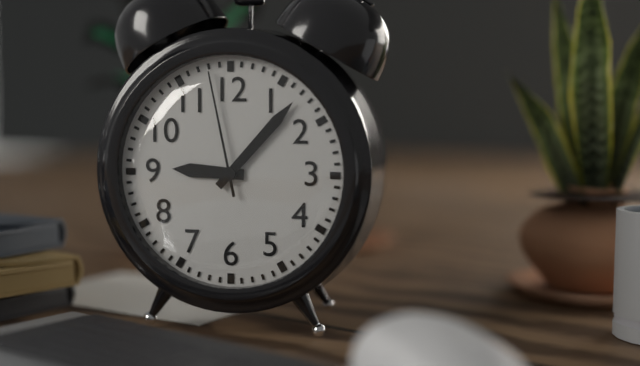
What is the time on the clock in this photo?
9:07:58
